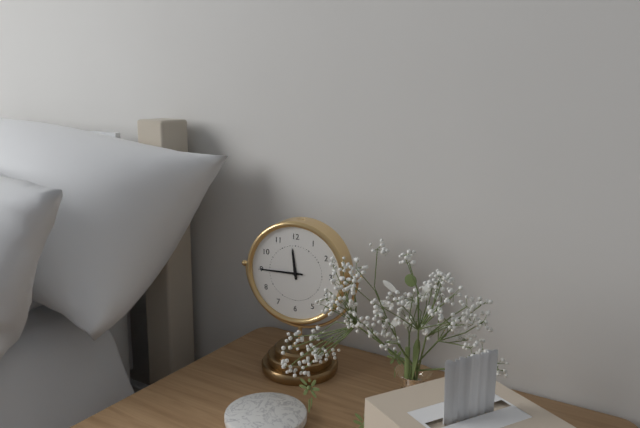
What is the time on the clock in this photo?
11:45
